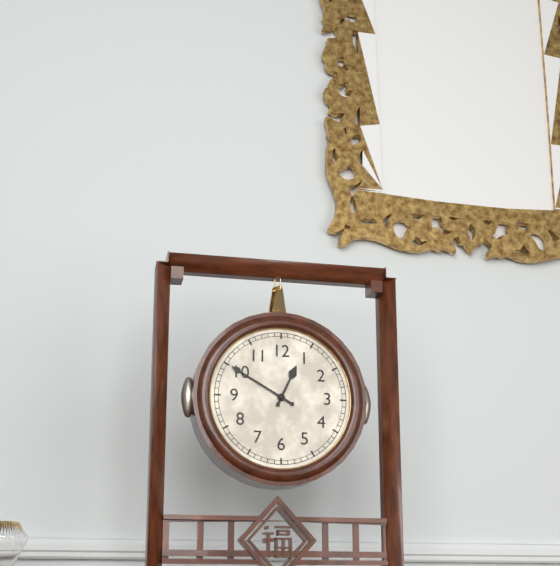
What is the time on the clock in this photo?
12:50
